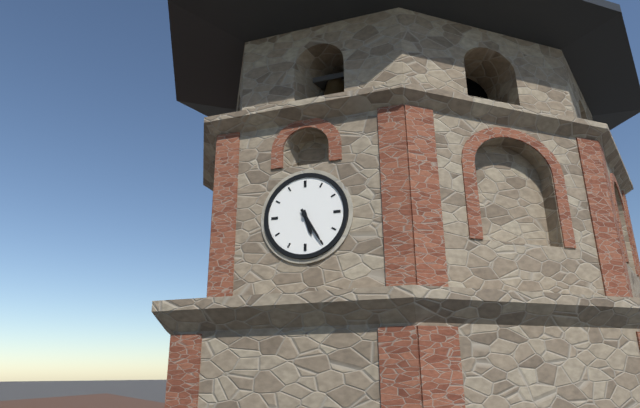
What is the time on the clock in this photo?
5:25
